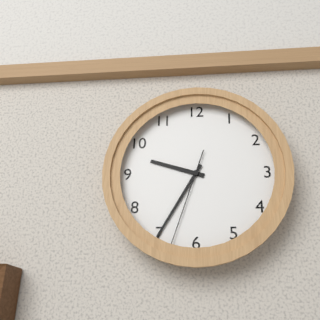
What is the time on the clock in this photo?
9:35:33
